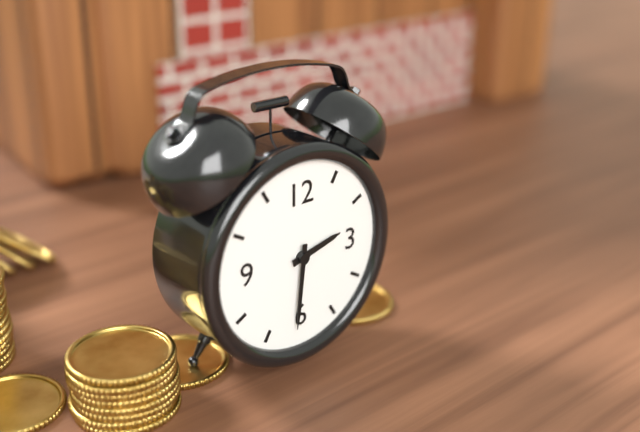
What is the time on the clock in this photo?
2:31
